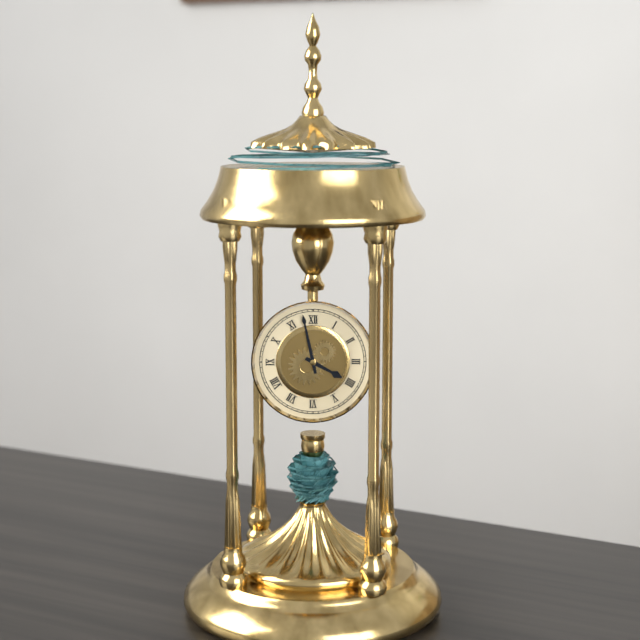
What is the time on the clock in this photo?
3:58
